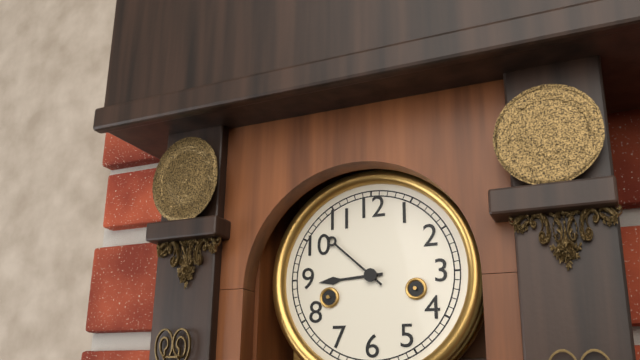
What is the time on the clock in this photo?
8:52
